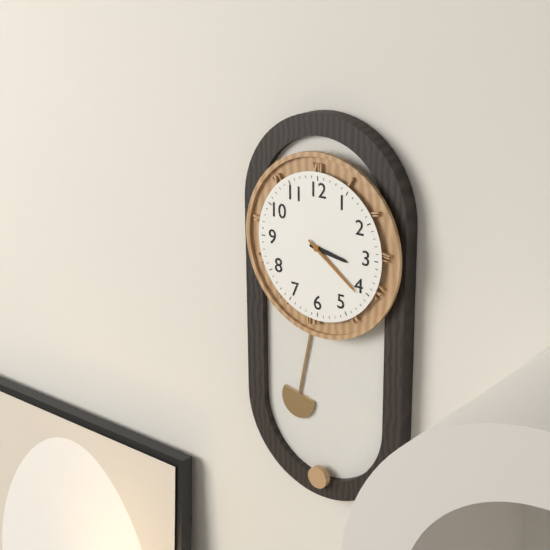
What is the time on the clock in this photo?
3:21
